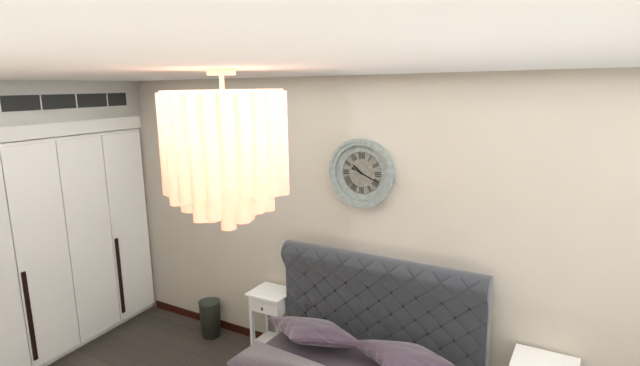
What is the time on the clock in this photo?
10:19
